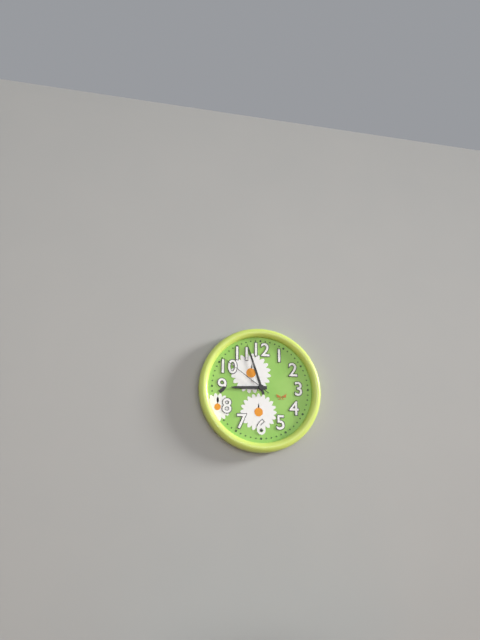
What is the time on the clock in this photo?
8:57:51
